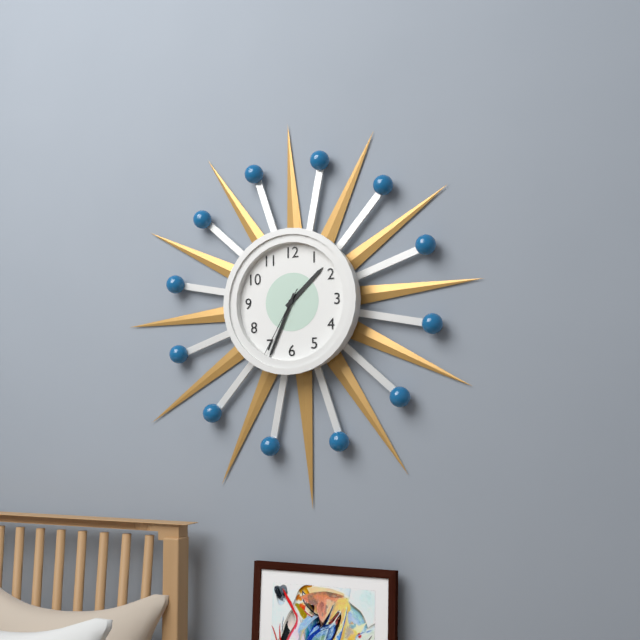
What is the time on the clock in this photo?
1:34:35
